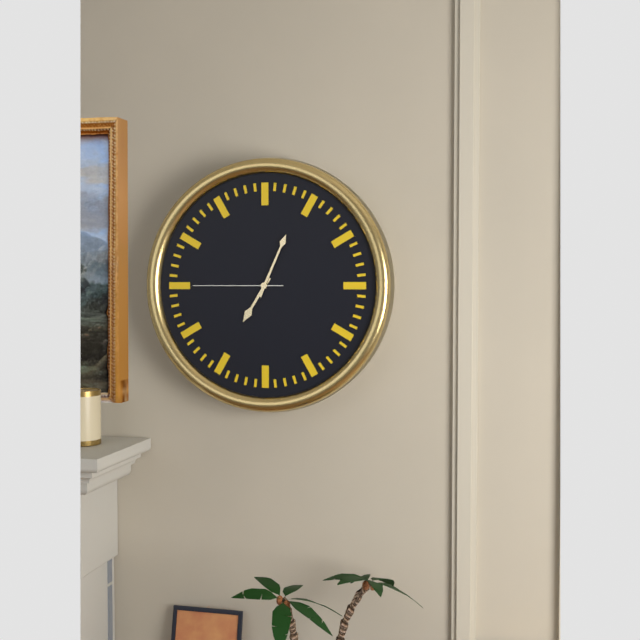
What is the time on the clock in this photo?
7:04:45
